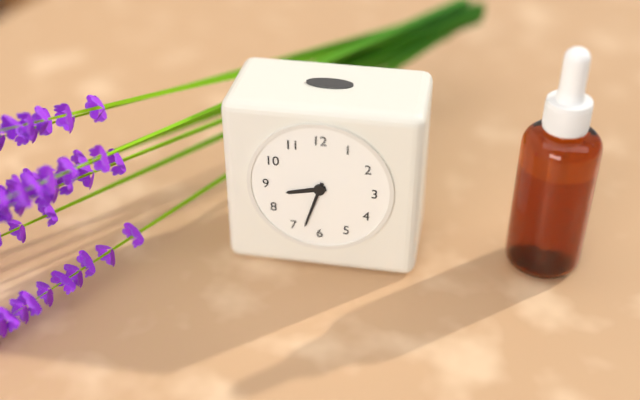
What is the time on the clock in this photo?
8:33
